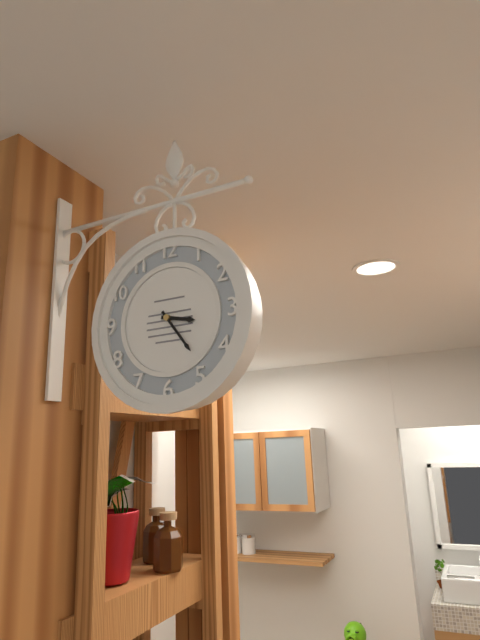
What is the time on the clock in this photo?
3:24
